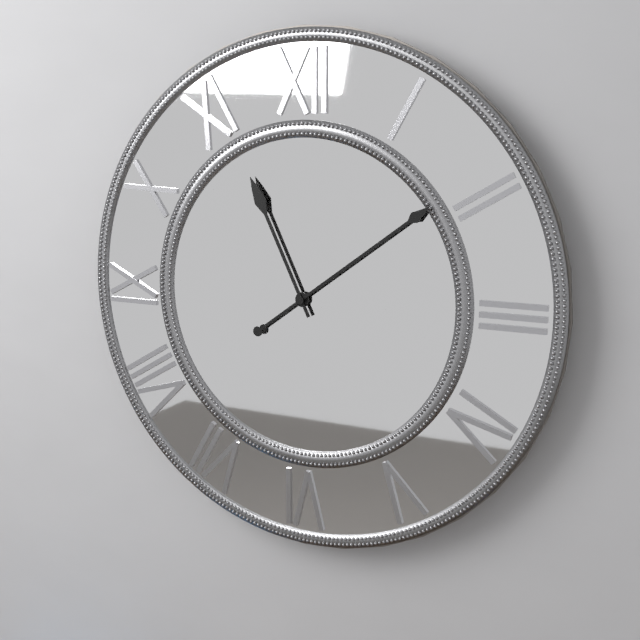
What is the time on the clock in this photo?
11:09
